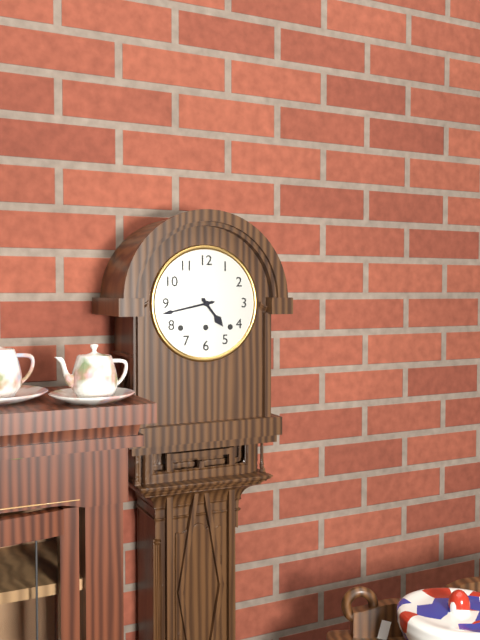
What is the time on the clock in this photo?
4:43
